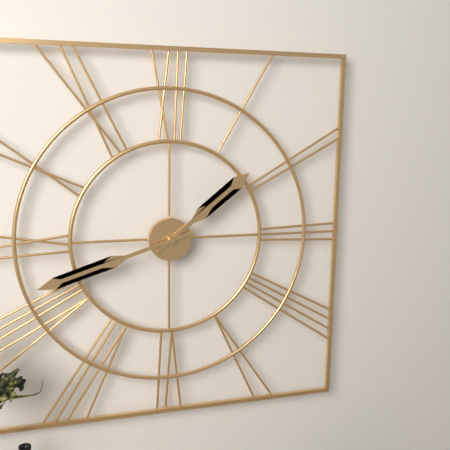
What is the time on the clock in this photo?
1:42
